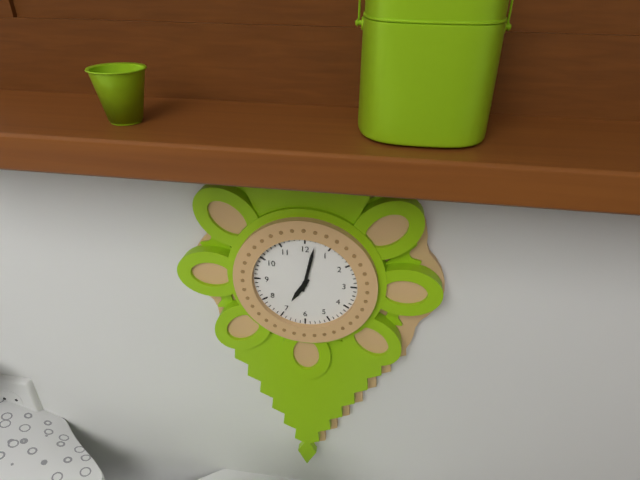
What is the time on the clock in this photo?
7:02
